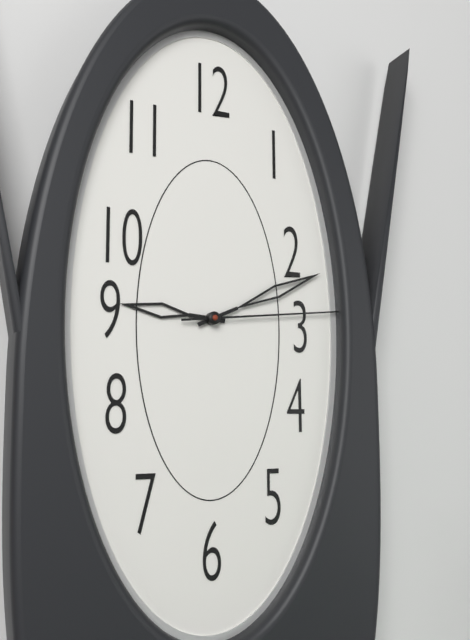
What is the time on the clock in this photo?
9:11:14
